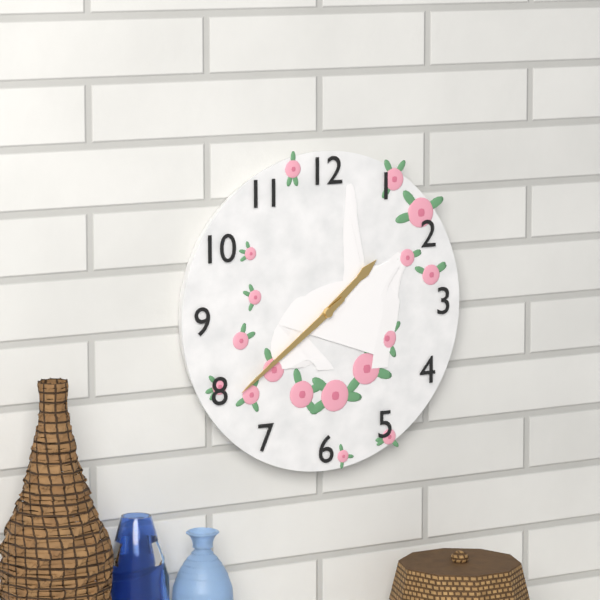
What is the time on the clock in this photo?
1:39
